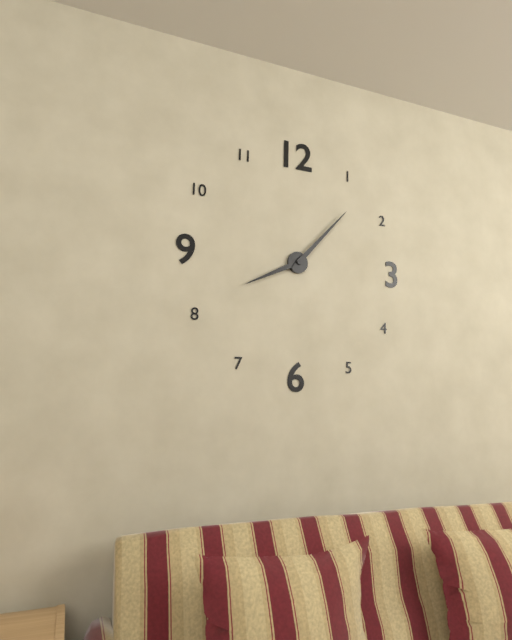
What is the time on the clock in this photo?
8:07
